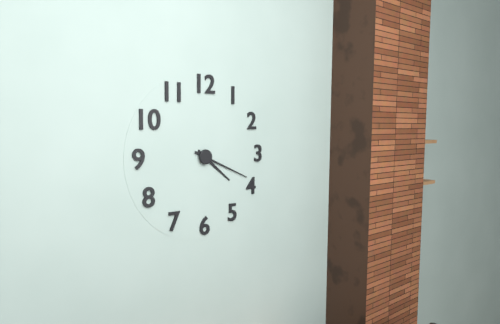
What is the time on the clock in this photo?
4:19
